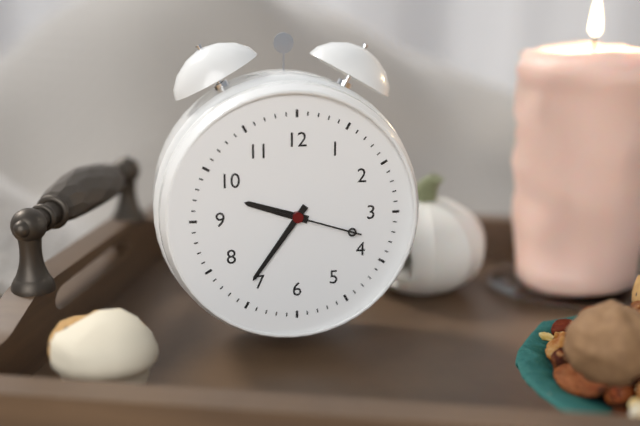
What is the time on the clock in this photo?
9:36:18
